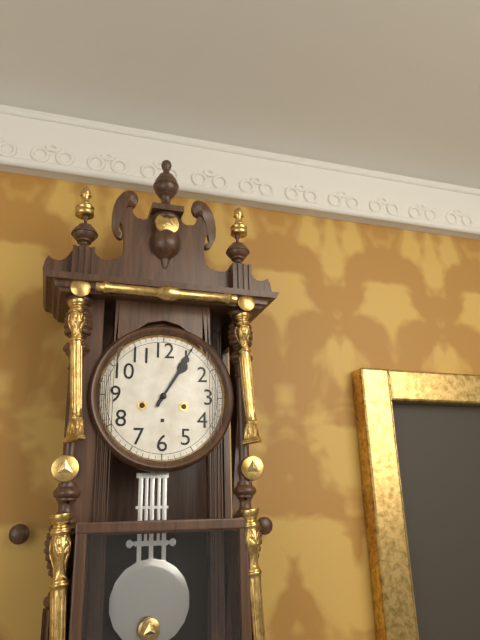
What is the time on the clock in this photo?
1:05
